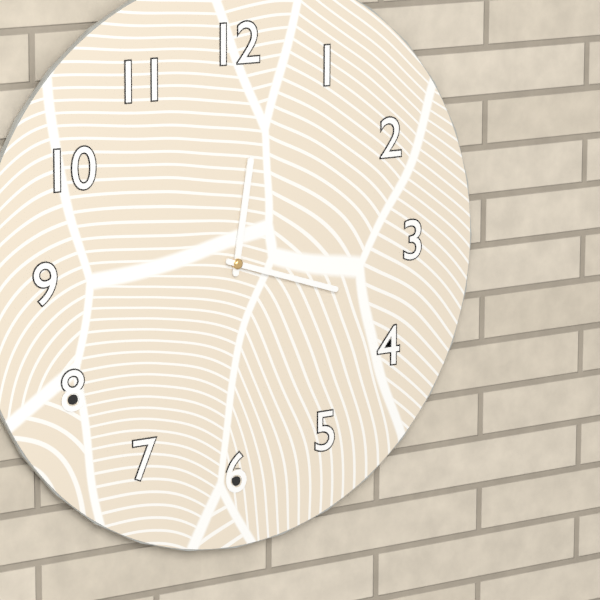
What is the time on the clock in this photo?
12:18
